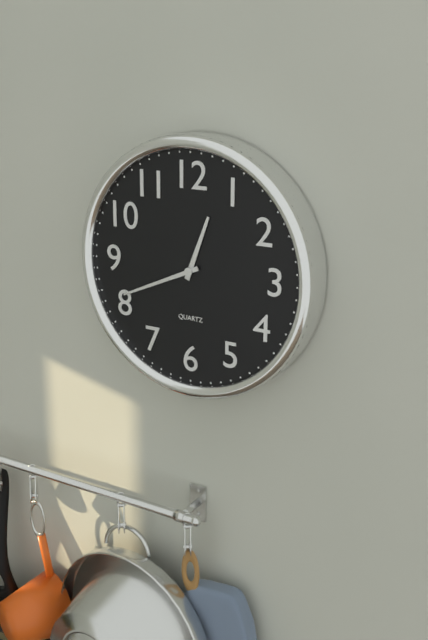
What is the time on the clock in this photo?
12:41
